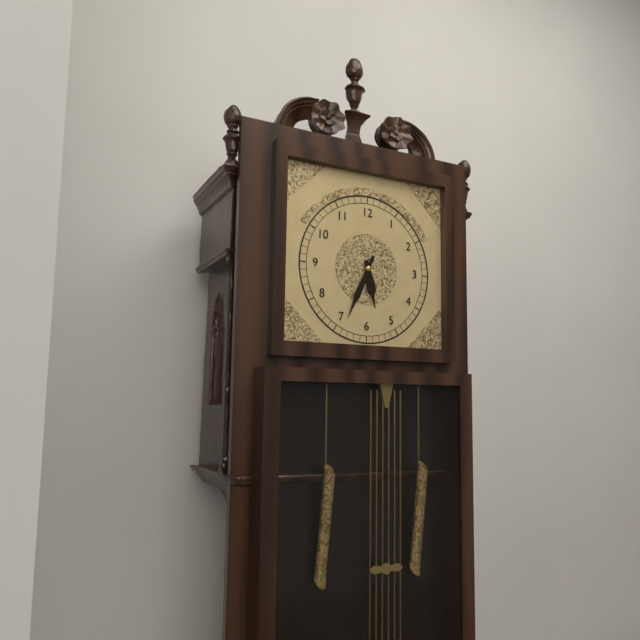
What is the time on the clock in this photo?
5:34
